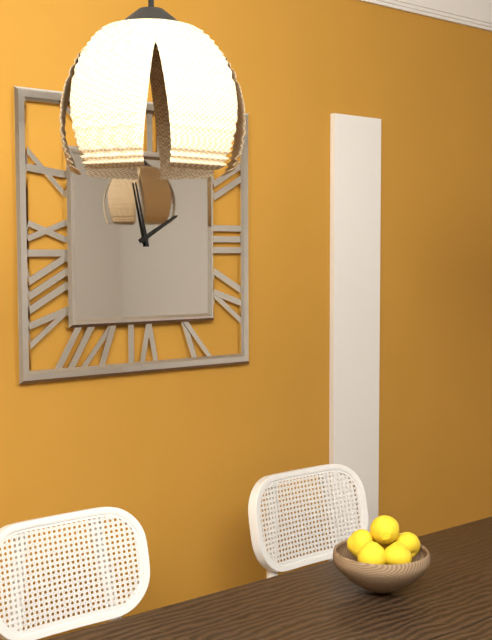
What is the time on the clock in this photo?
1:58
